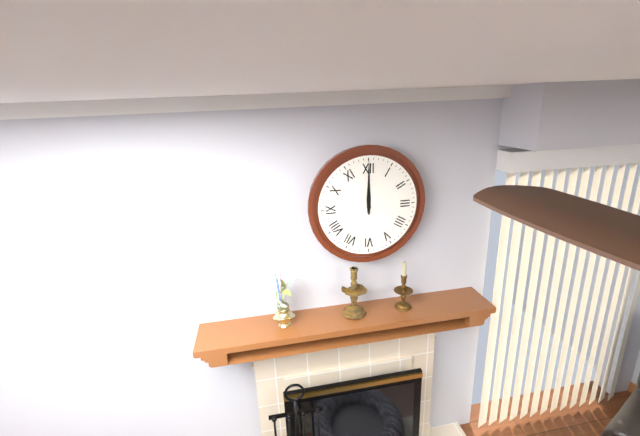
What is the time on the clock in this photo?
12:00
